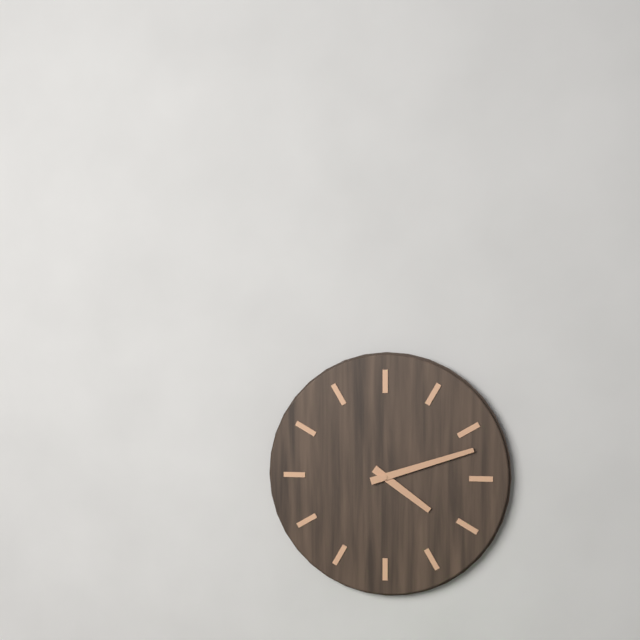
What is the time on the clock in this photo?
4:12
